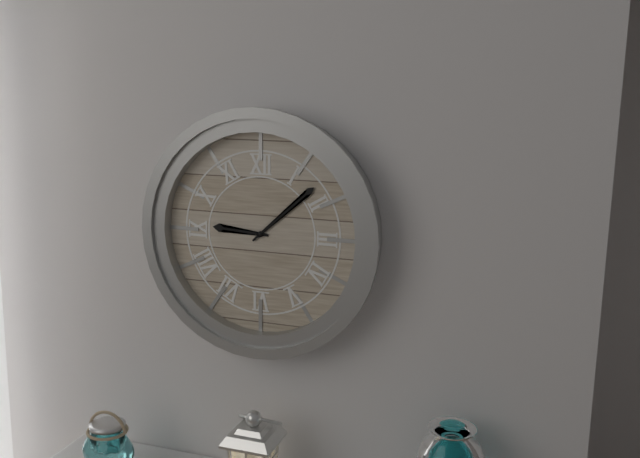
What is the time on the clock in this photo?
9:08
